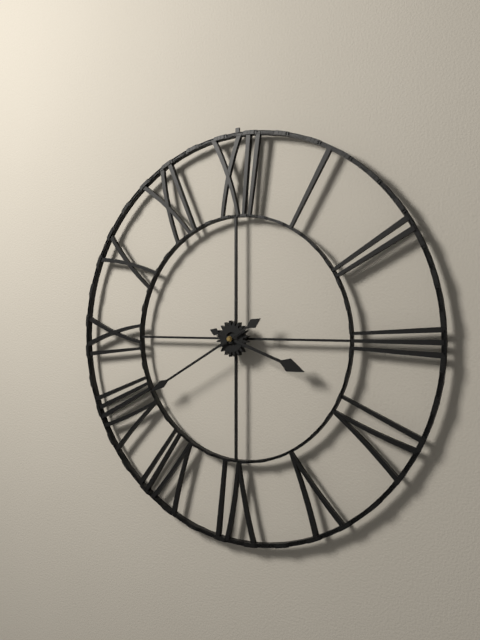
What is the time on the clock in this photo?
3:40
